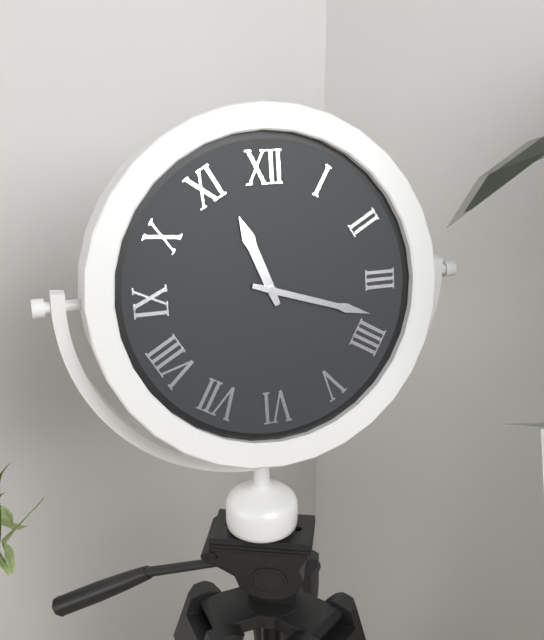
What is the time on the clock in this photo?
11:18
